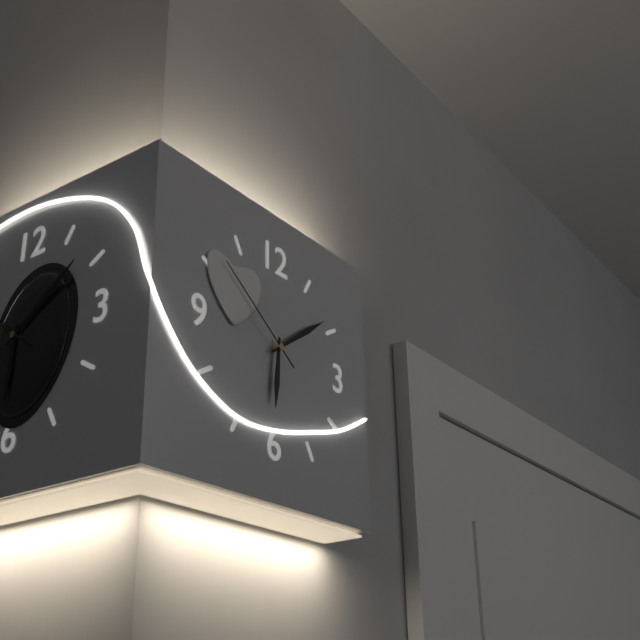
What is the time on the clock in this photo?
6:09:51
